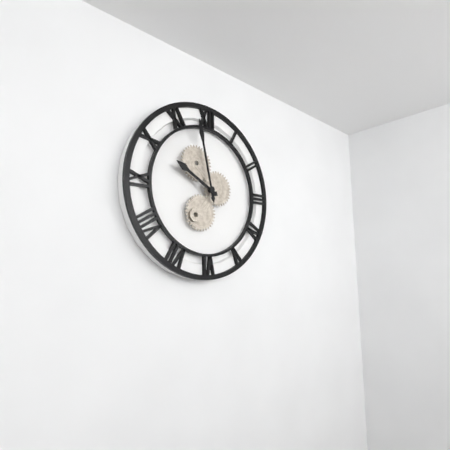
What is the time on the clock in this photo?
9:58
